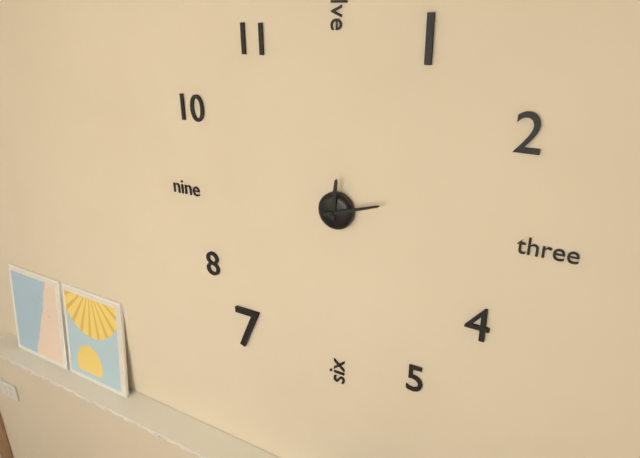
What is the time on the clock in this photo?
12:12
